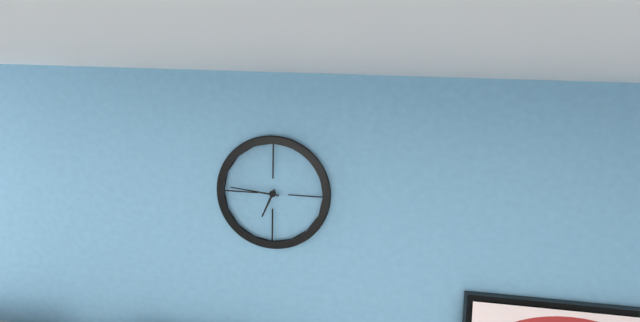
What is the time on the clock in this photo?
6:46
